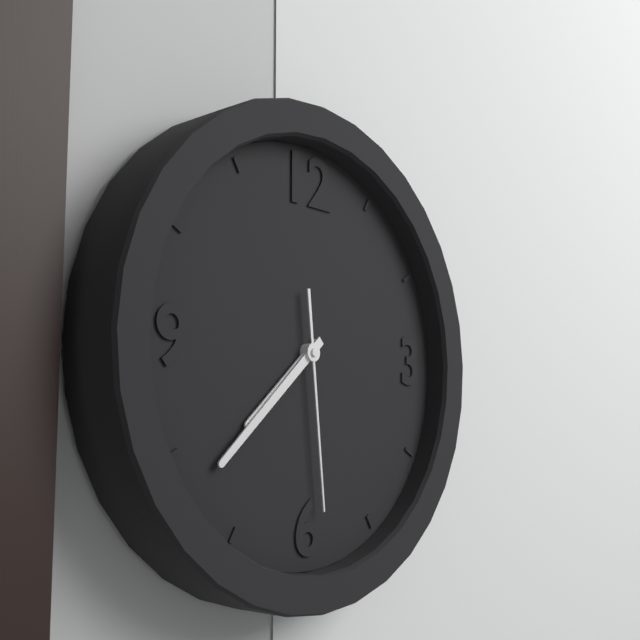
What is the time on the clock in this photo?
7:38:29
